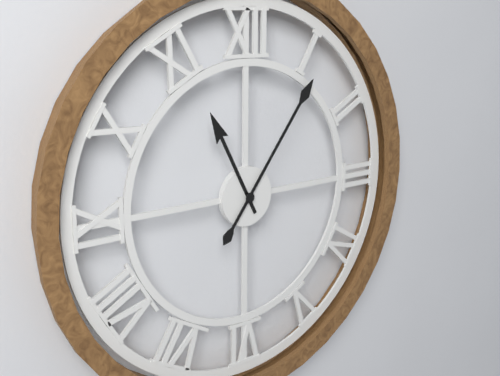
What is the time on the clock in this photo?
11:06
